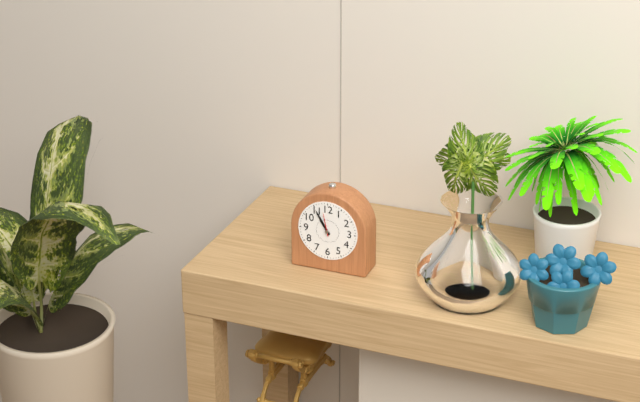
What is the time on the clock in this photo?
10:55
